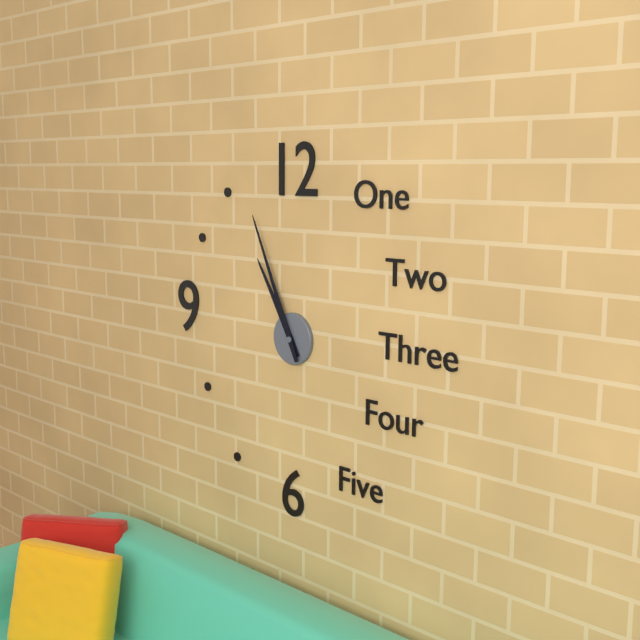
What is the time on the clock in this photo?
10:56
